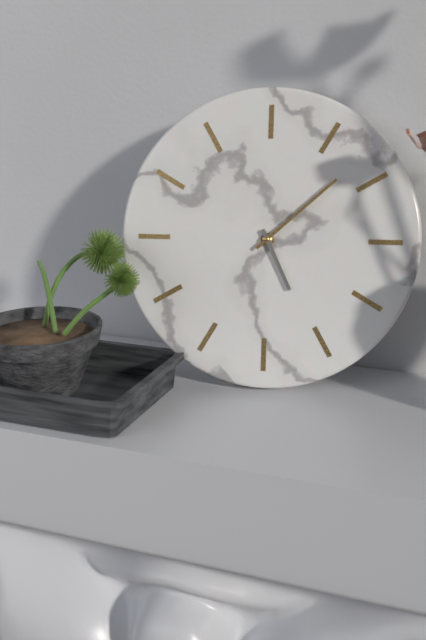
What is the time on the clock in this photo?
5:08
